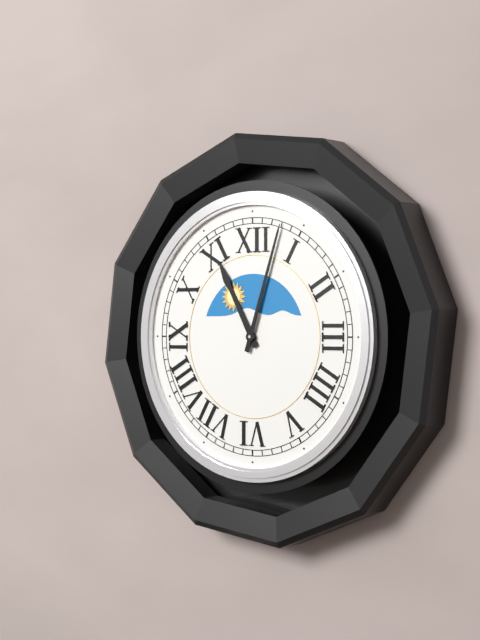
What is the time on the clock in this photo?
11:03
